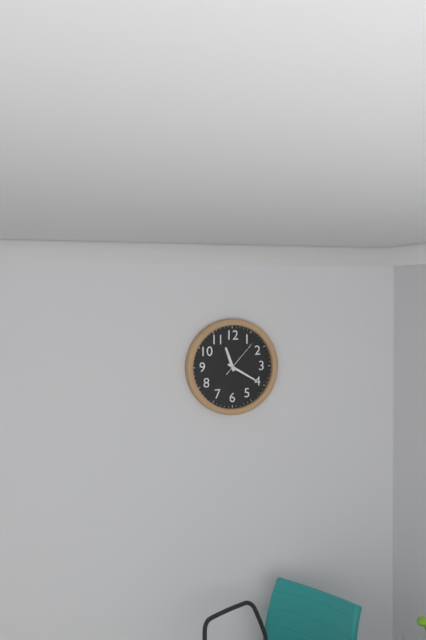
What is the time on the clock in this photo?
11:20
